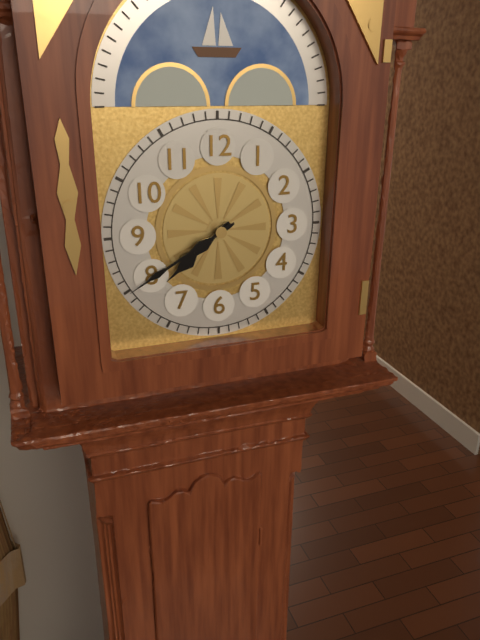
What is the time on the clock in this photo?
7:40
